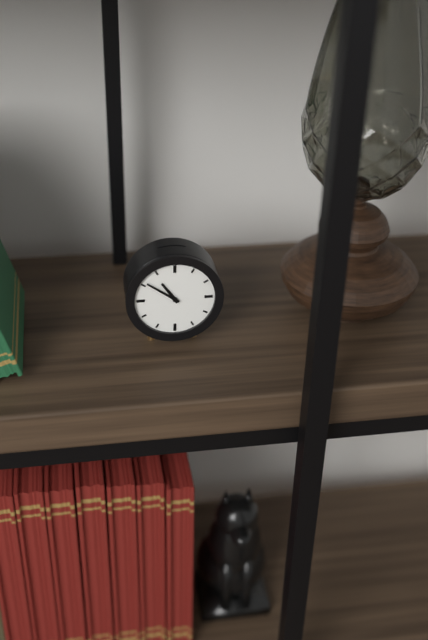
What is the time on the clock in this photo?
10:51
